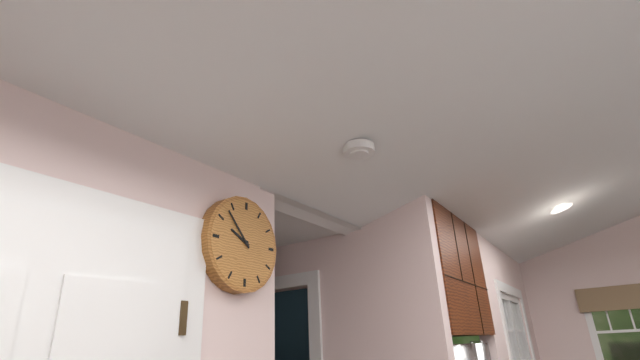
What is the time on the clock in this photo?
9:53
